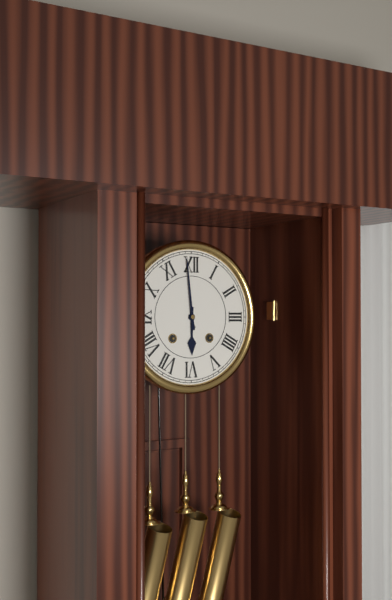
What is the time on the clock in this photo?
5:59
